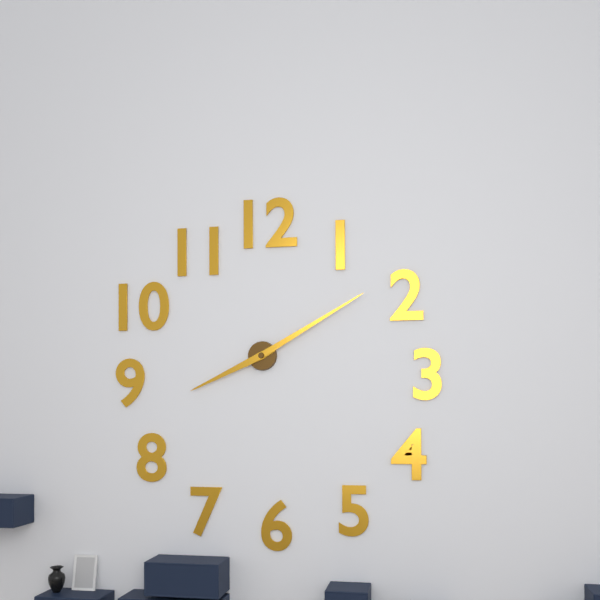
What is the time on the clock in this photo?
8:10
